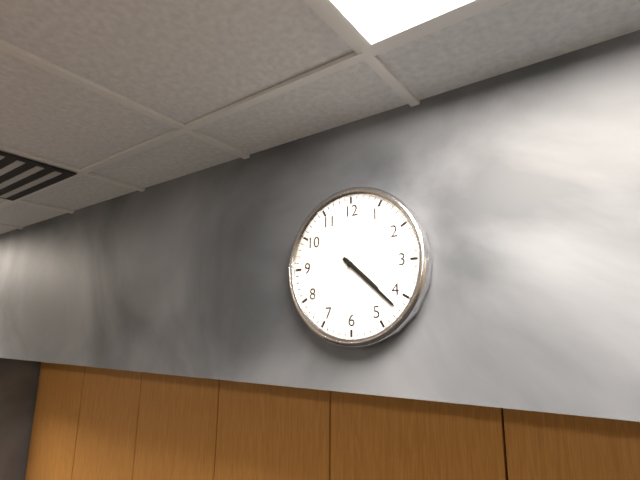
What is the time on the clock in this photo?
4:22
